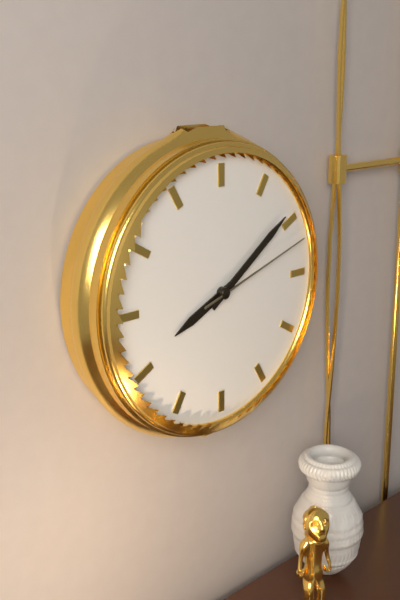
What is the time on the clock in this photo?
8:09:12
